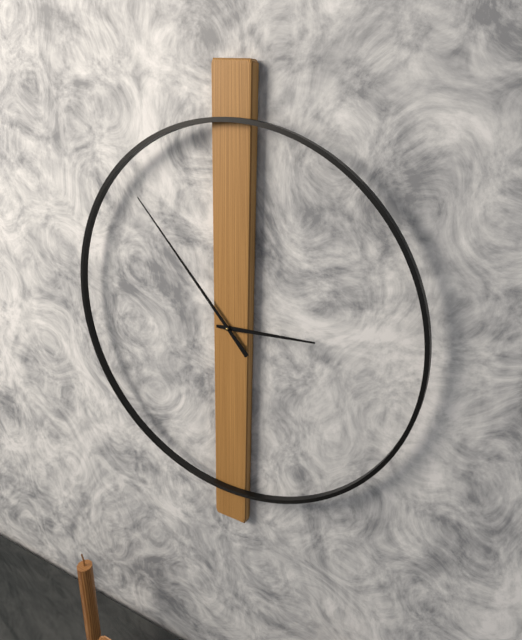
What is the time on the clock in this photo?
2:53
